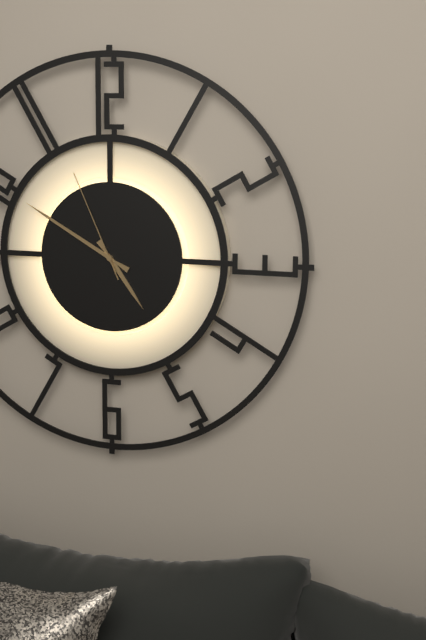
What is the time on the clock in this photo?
4:50:56
